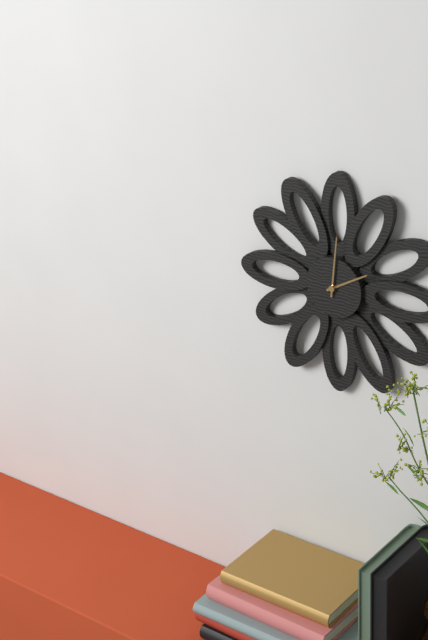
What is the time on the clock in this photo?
2:01
